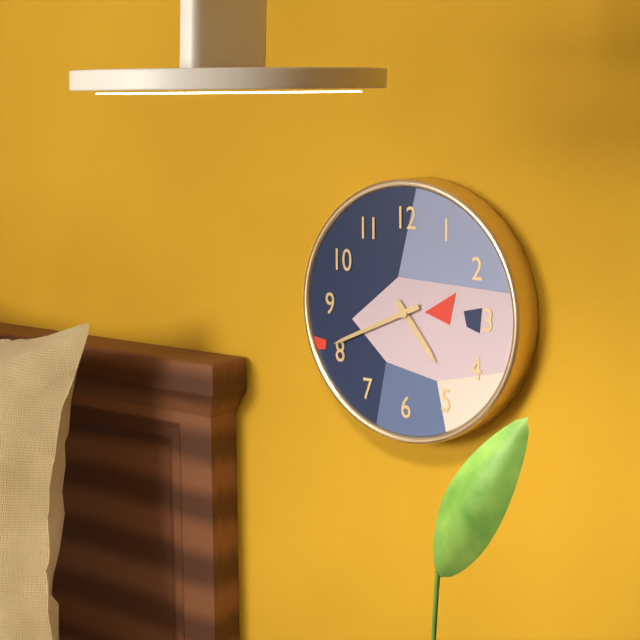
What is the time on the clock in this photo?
4:41
